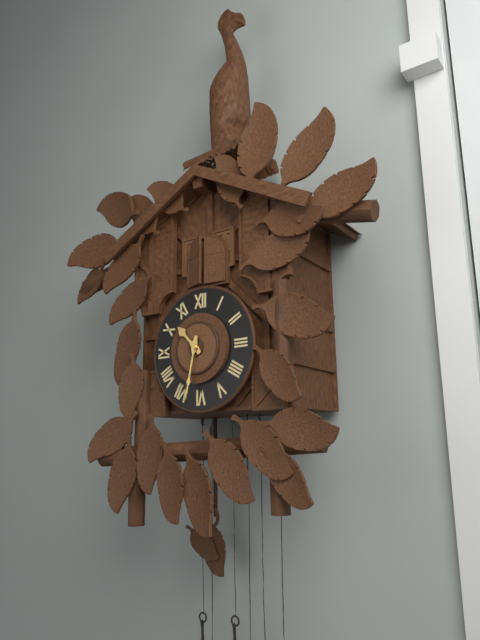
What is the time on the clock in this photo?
10:32
